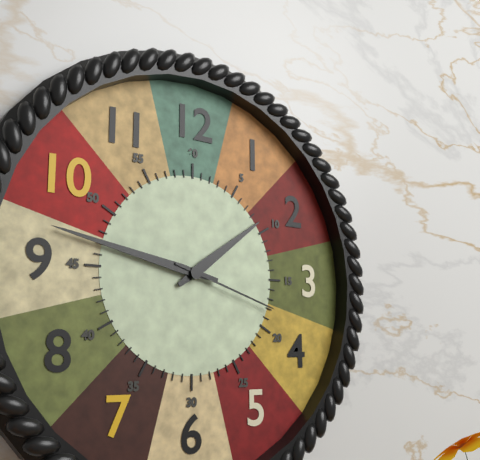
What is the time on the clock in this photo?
1:47:18
